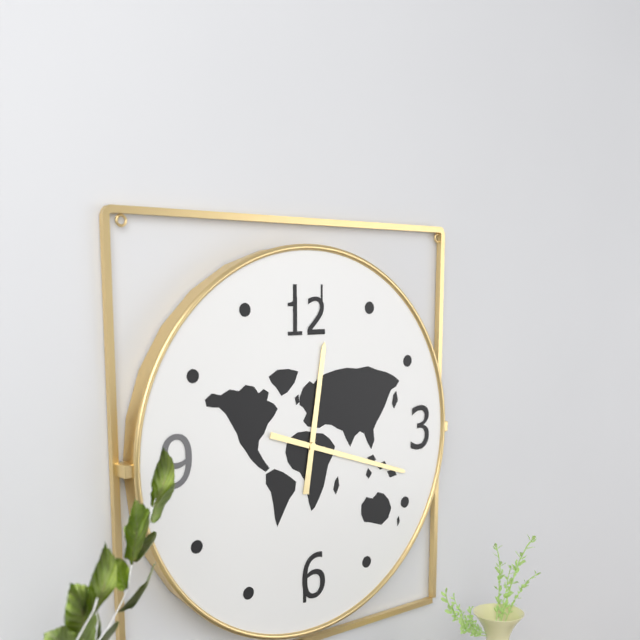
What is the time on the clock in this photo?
12:18
